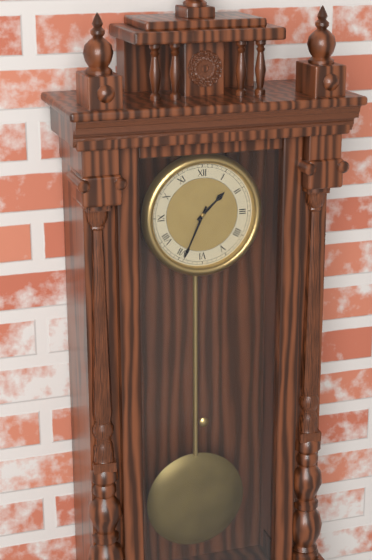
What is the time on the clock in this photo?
1:34
